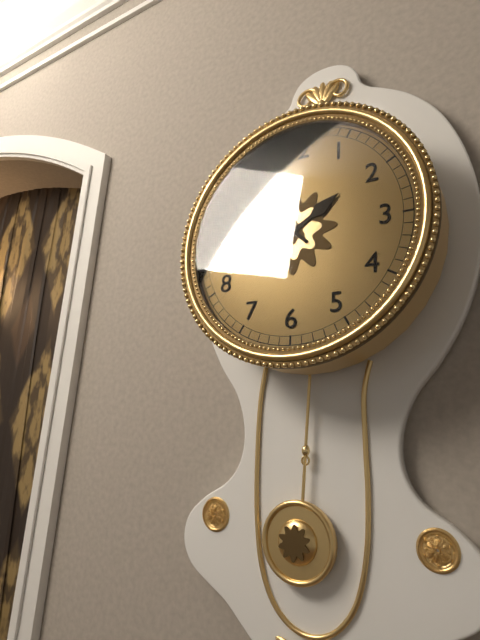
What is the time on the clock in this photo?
1:52
